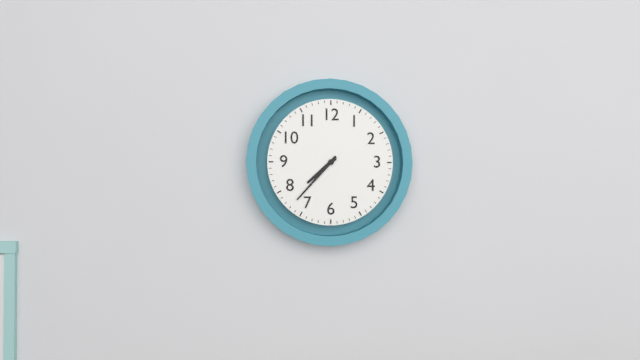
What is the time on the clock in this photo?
7:37
